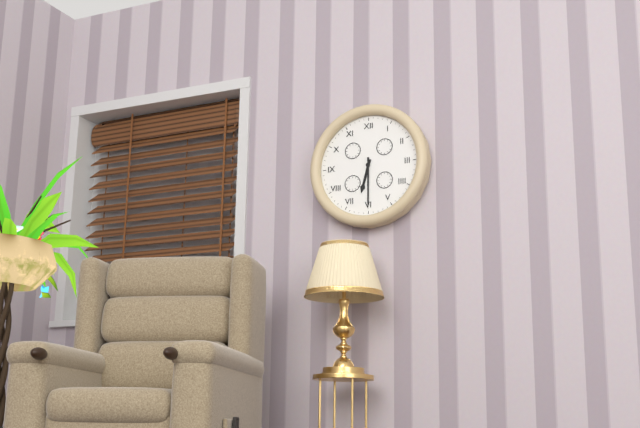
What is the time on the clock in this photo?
6:30
